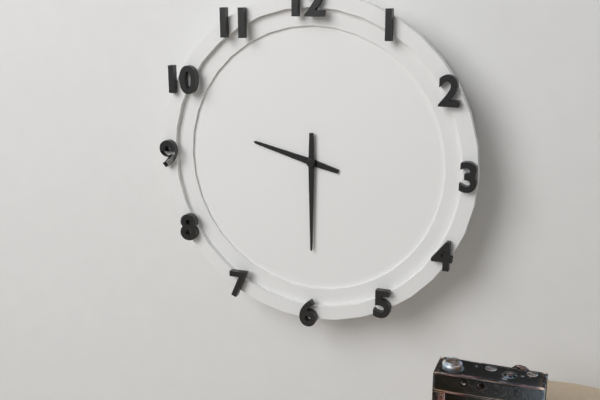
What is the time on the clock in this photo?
9:30
